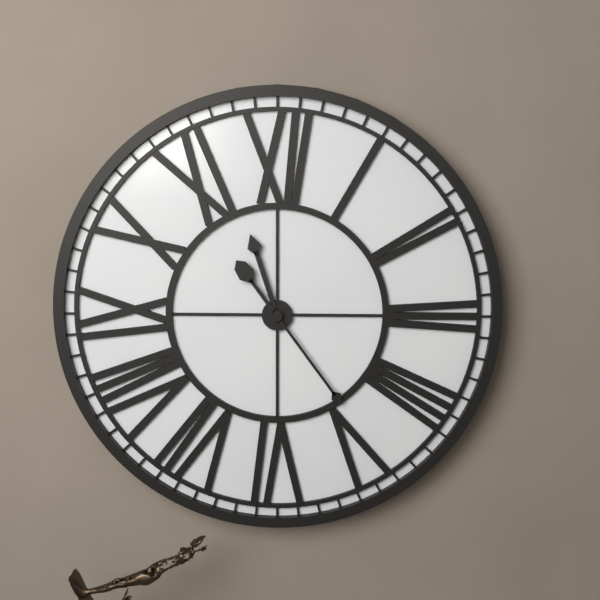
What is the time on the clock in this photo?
11:24
